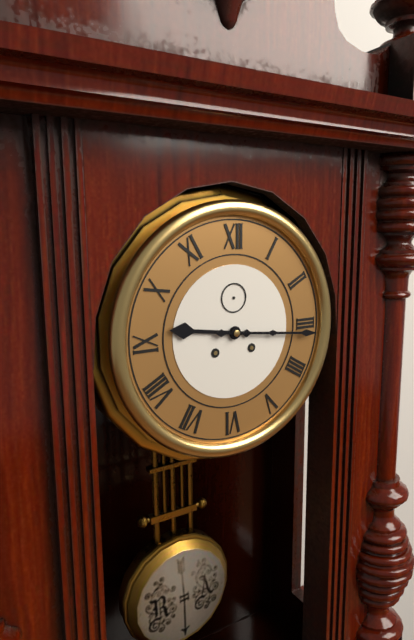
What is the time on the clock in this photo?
9:16
